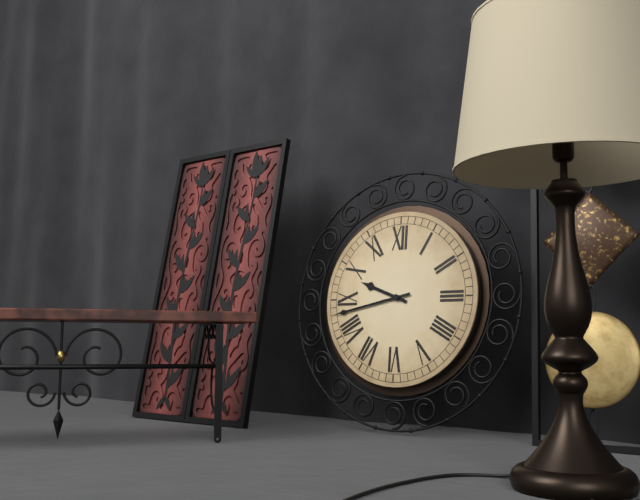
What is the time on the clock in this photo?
9:43
